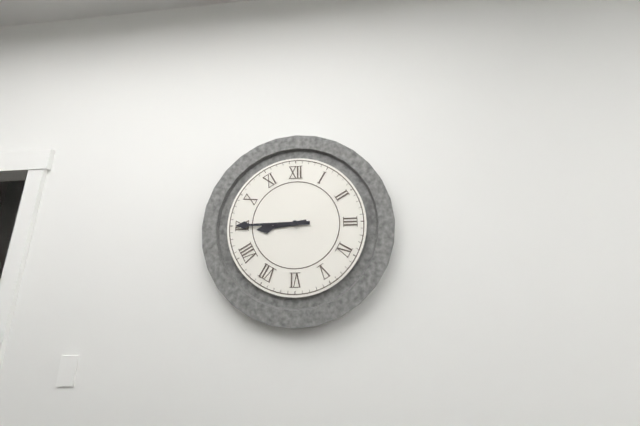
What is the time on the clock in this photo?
8:45
